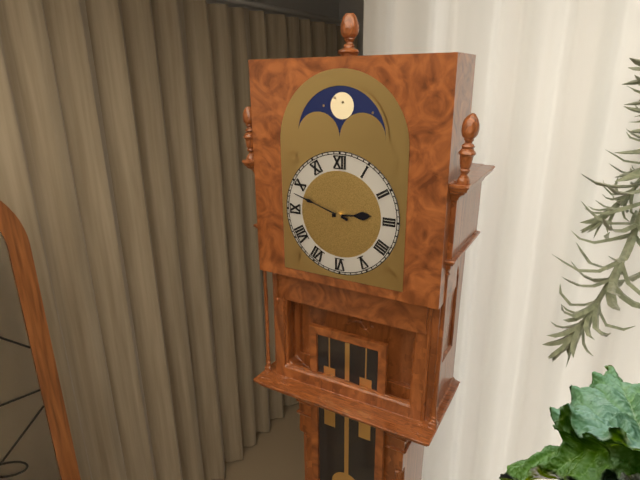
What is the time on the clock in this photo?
2:48
